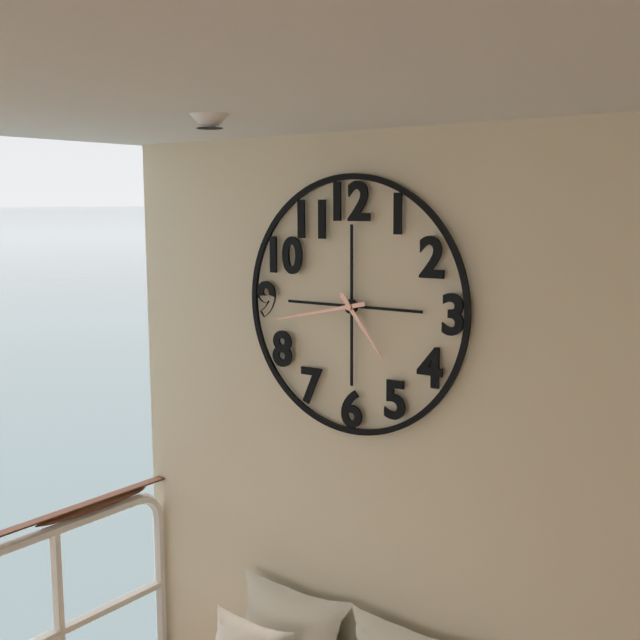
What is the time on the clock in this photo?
4:43
